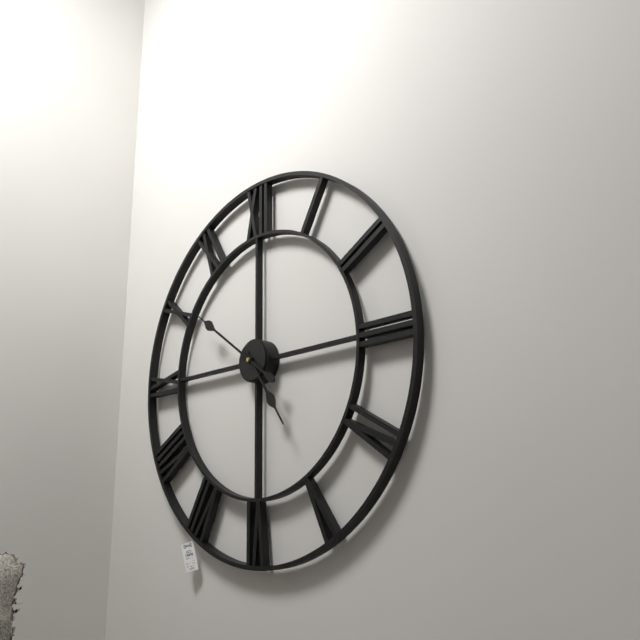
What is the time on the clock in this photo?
4:51
